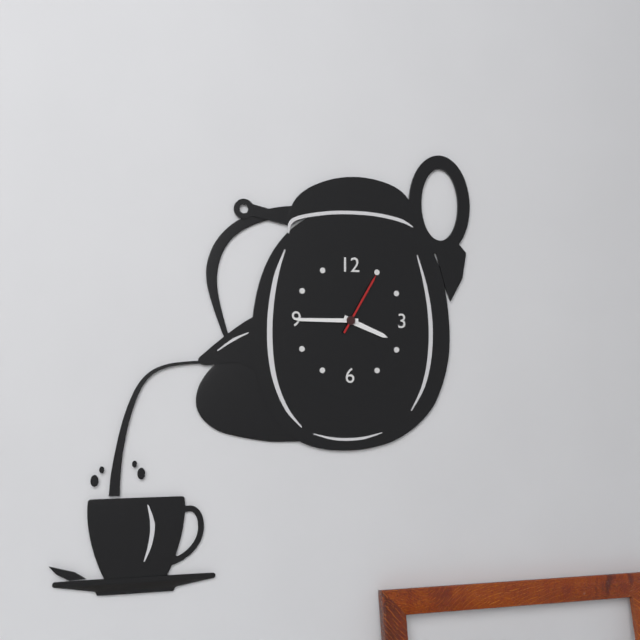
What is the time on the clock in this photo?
3:45:05
